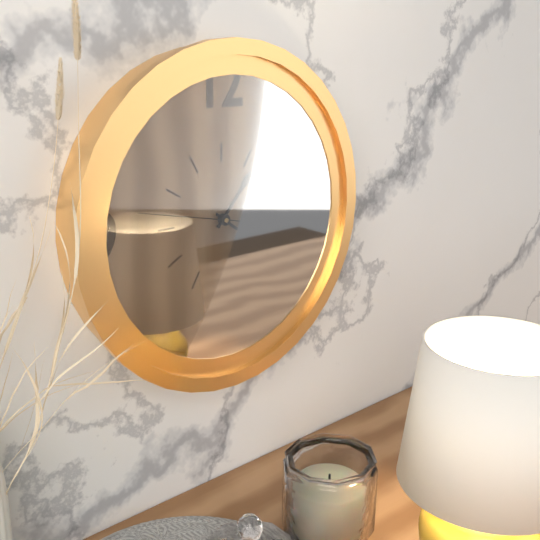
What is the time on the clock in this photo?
1:21:47
